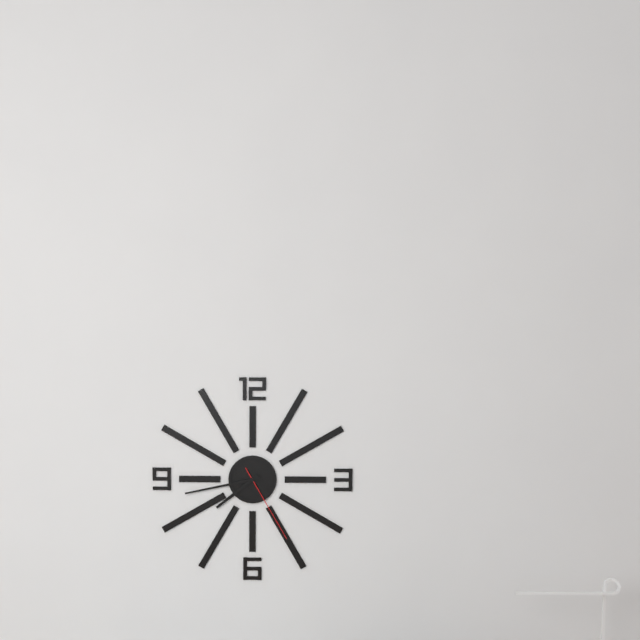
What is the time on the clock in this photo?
7:43:25
